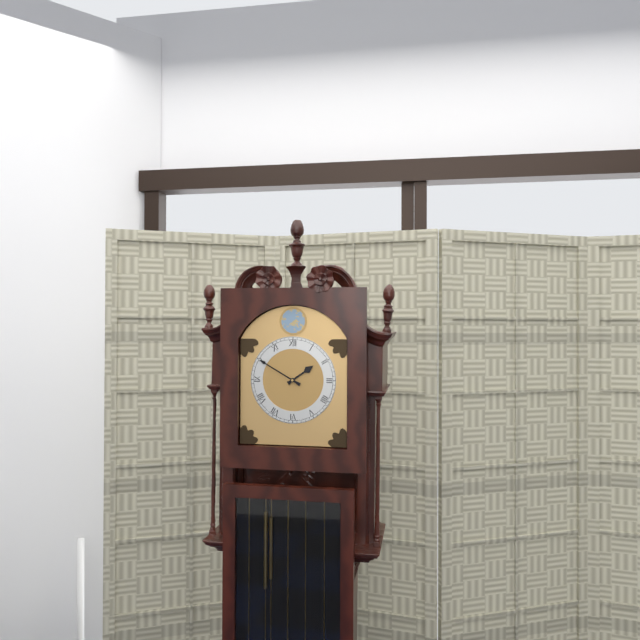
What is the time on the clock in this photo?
1:50
